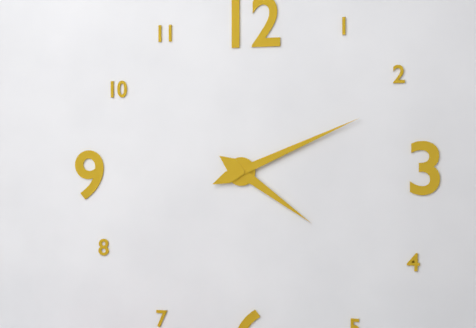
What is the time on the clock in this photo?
4:11
